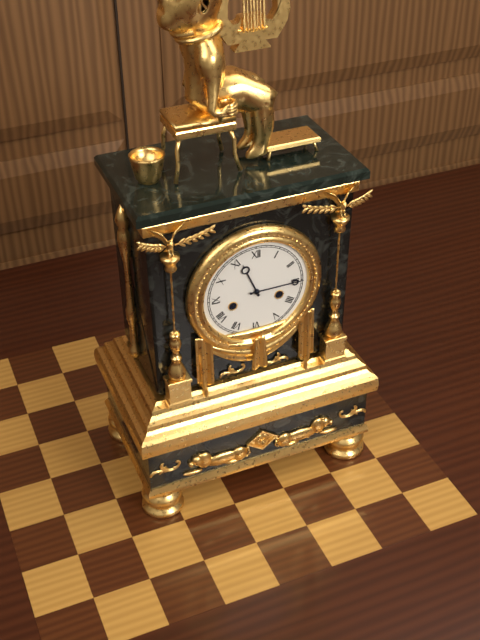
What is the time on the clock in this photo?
11:15
